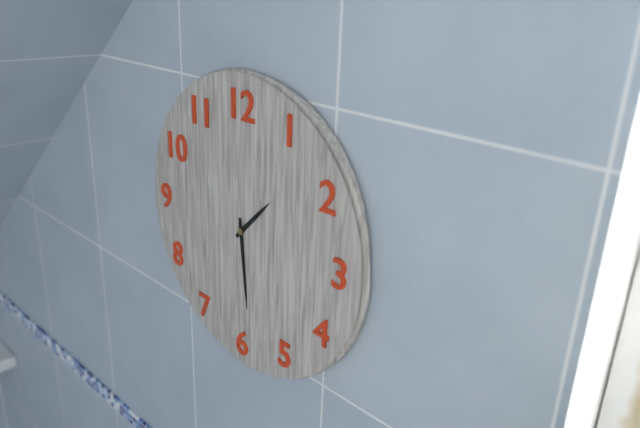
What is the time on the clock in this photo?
1:29
